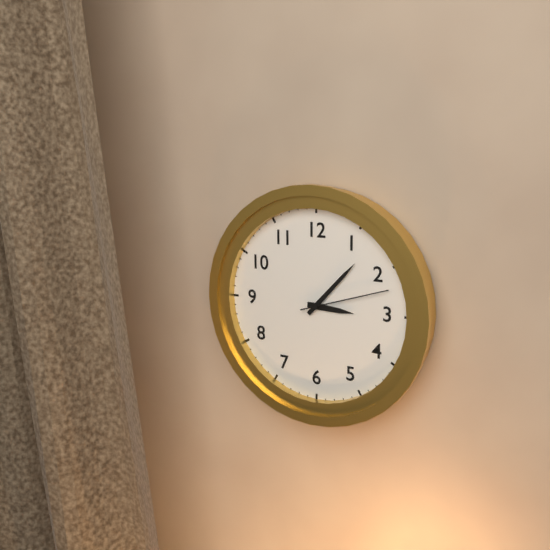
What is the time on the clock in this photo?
3:07:12
